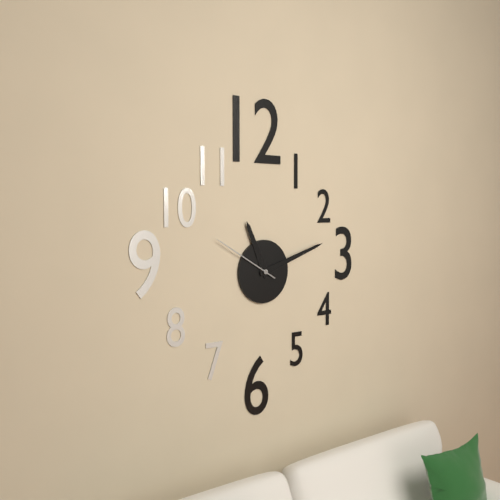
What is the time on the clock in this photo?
11:12:50
